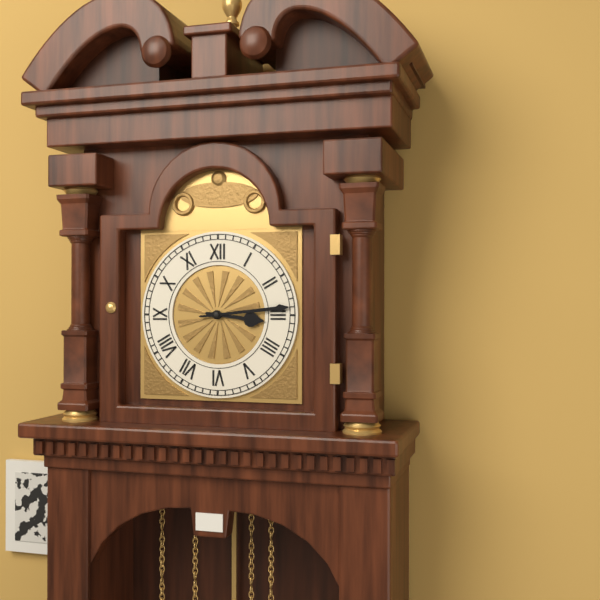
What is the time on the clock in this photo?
3:14
